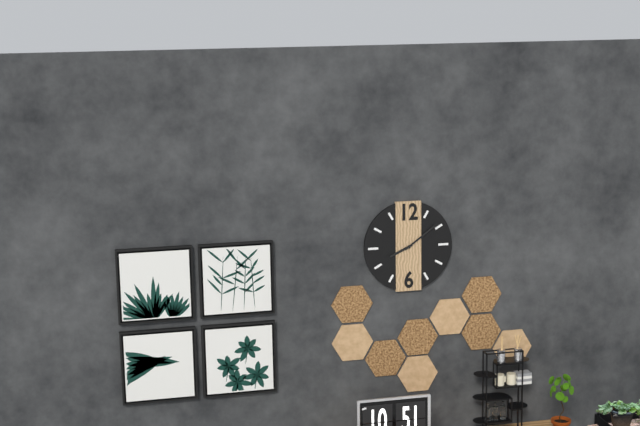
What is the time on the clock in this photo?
8:09
